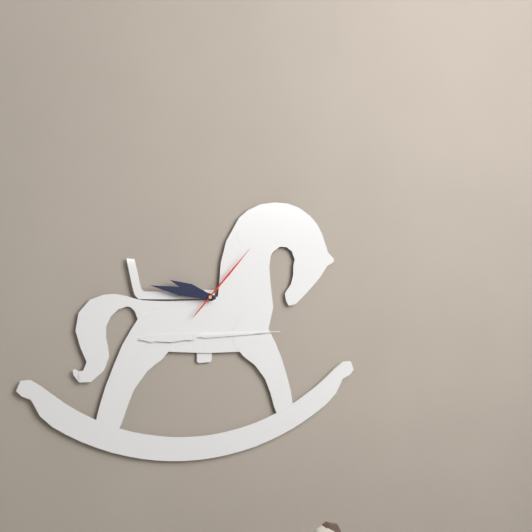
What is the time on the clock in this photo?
9:47:07
